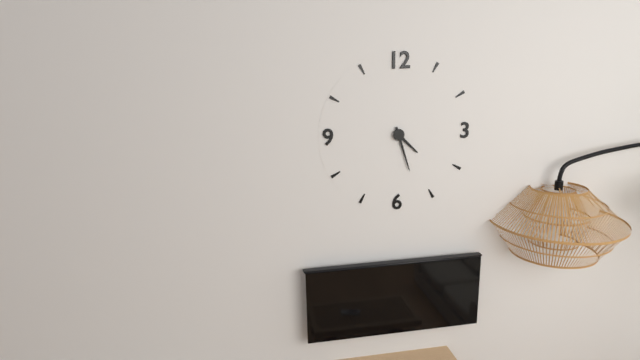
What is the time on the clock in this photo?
4:27
